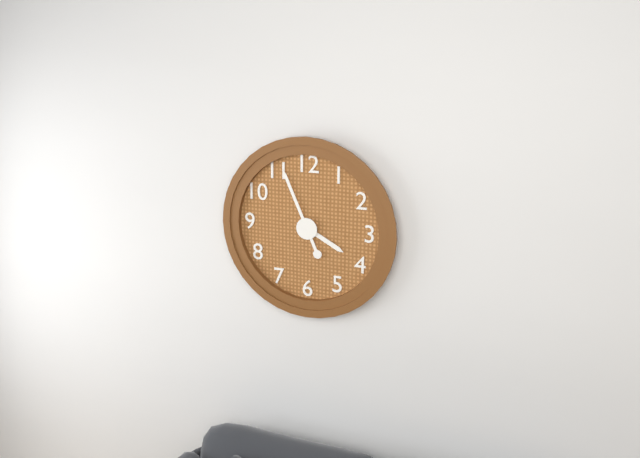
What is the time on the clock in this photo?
3:56
